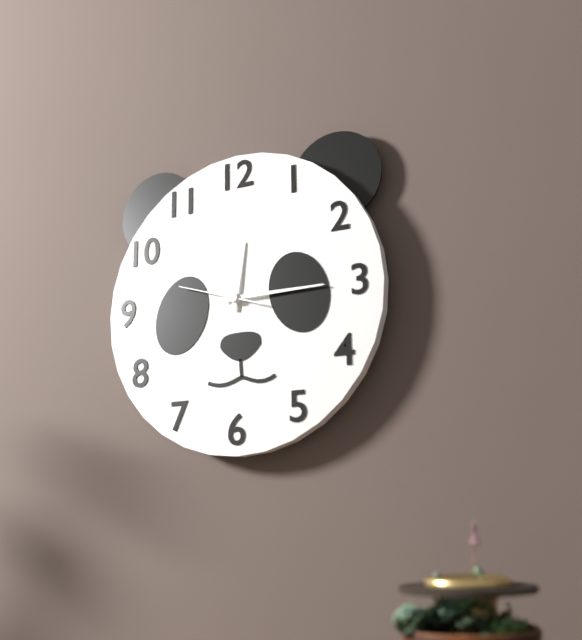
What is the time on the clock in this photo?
12:15:48
